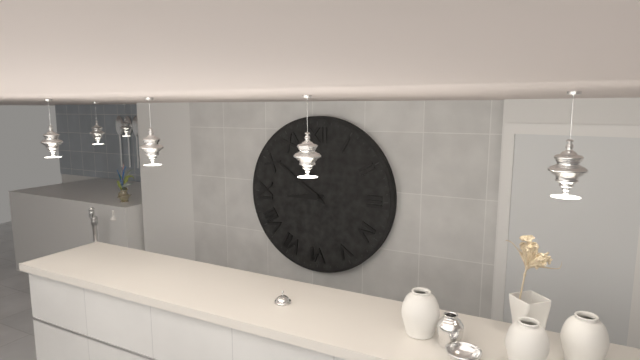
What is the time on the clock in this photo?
8:51
